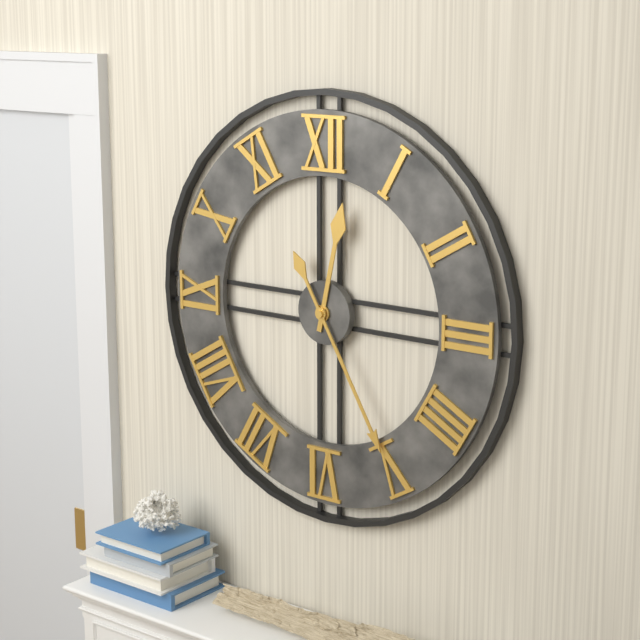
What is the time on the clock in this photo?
12:25
